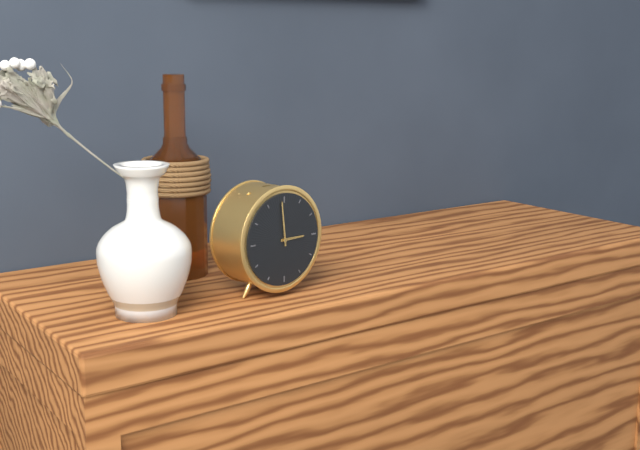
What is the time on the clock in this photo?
2:59
